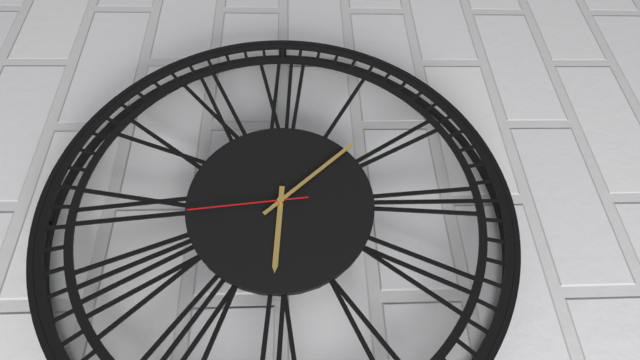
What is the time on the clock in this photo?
6:08:44
